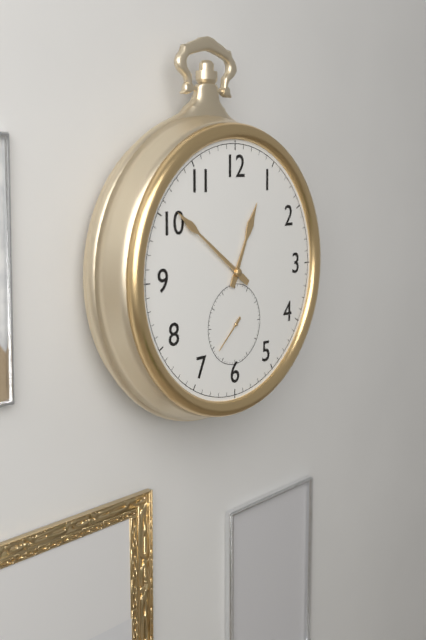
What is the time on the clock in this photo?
12:51
